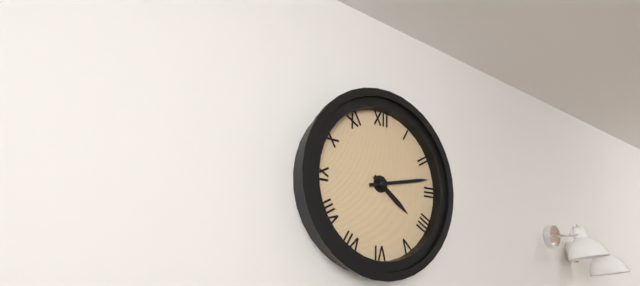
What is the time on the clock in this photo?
4:13
